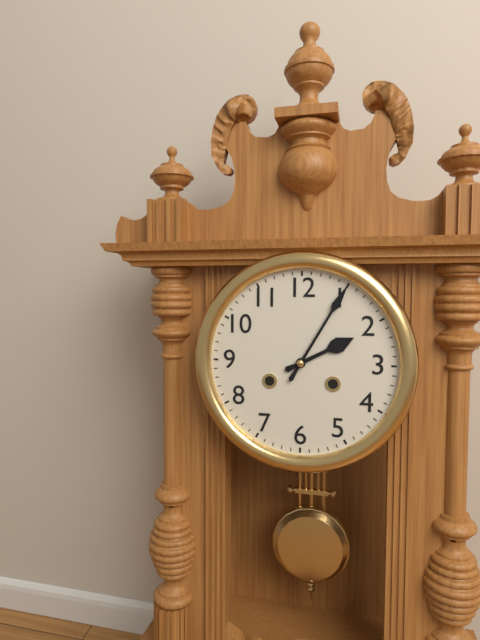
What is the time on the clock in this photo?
2:05
